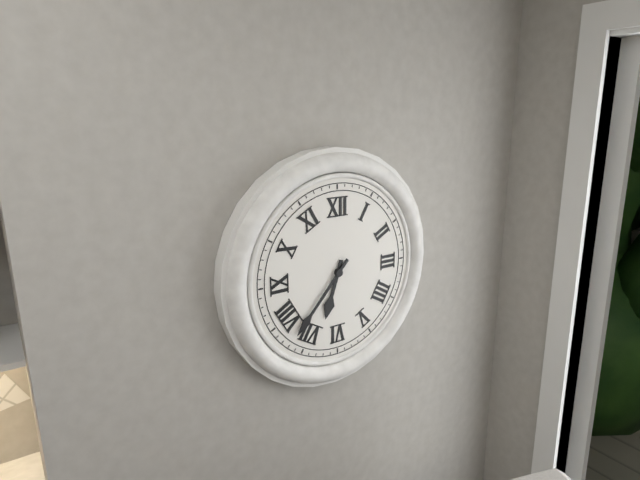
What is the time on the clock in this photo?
6:37
